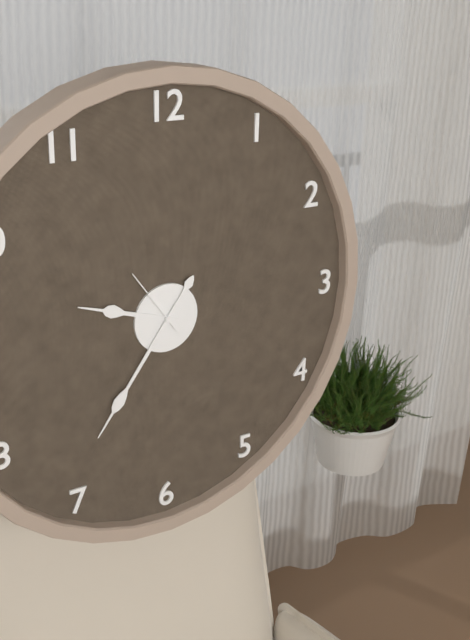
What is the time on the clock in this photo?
9:36:54
